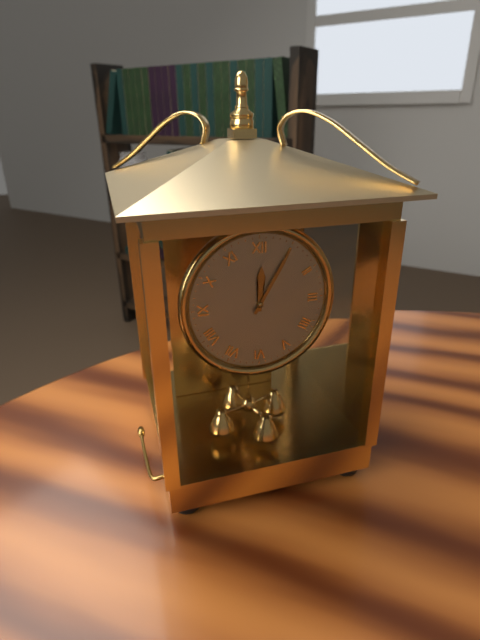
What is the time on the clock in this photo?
12:05
